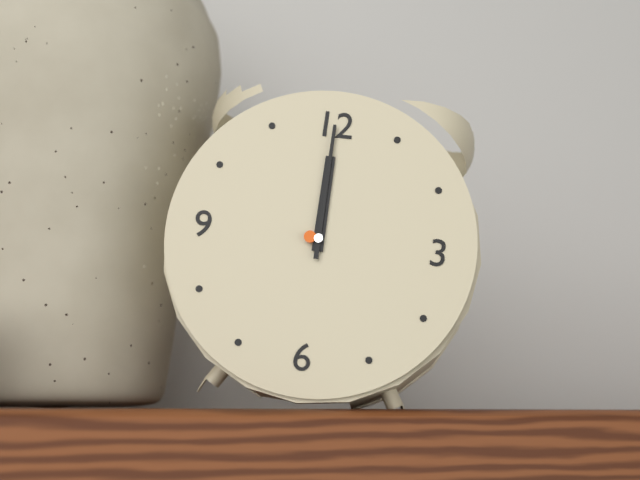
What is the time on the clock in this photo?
12:00
